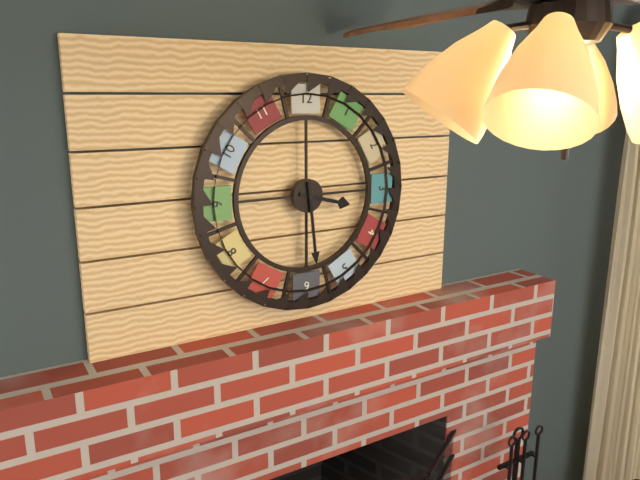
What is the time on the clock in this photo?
3:29
